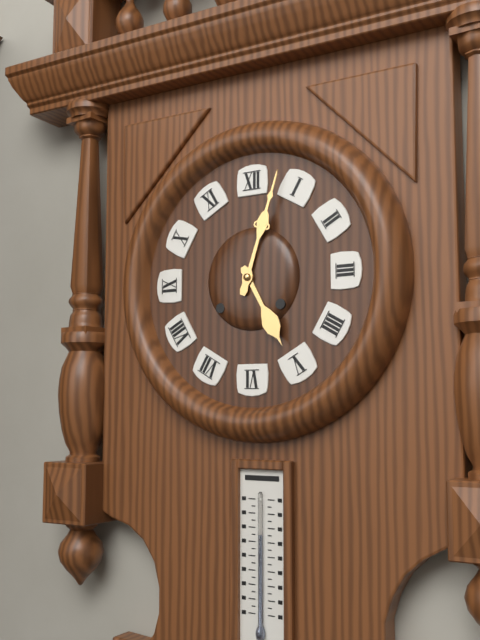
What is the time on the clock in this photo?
5:03
